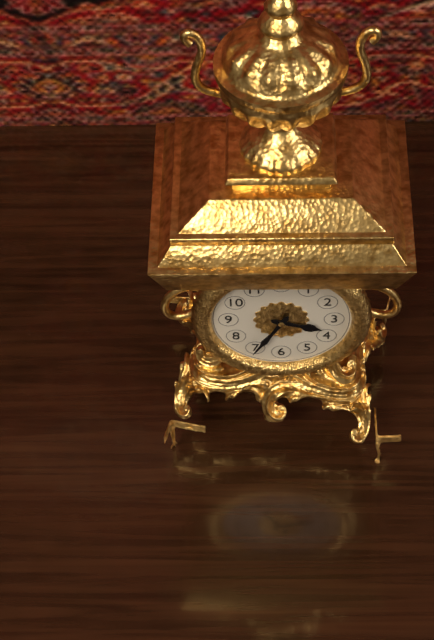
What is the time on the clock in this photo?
3:35
